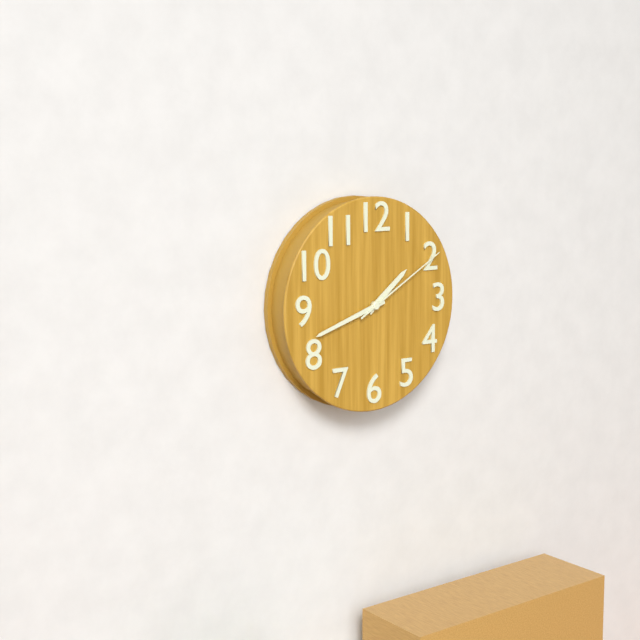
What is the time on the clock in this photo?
1:42:10
